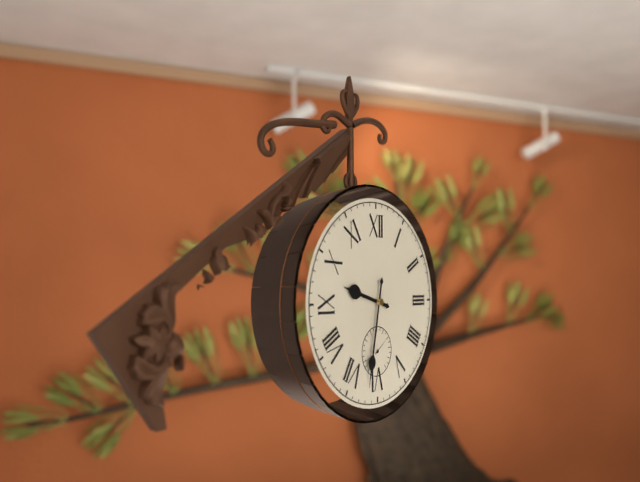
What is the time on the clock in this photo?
9:32
